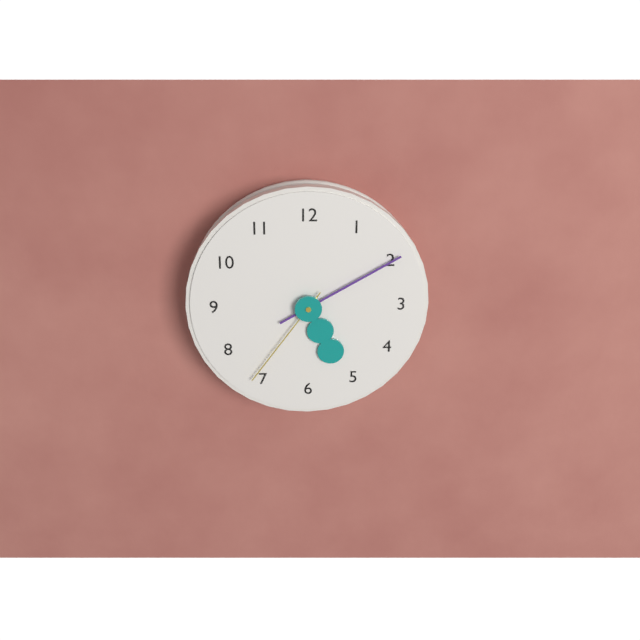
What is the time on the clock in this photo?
5:10:36
